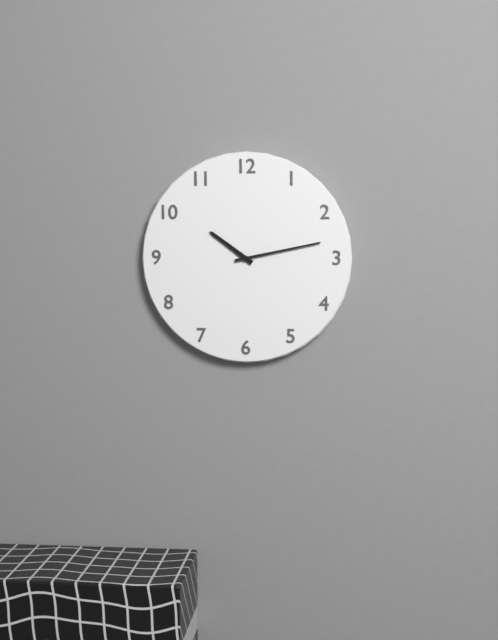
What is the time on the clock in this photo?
10:13
